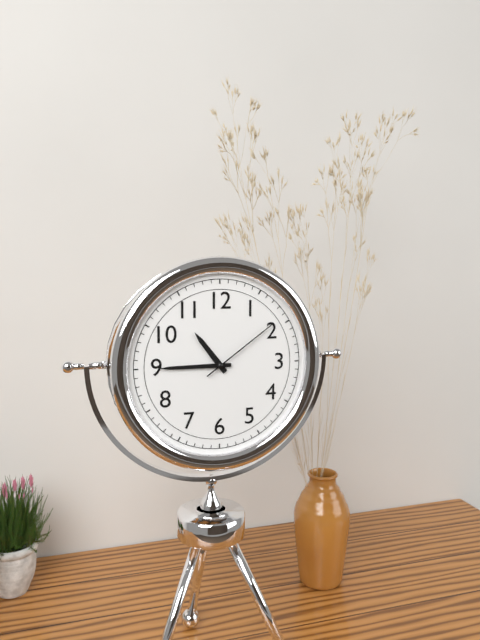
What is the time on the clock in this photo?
10:45:09
